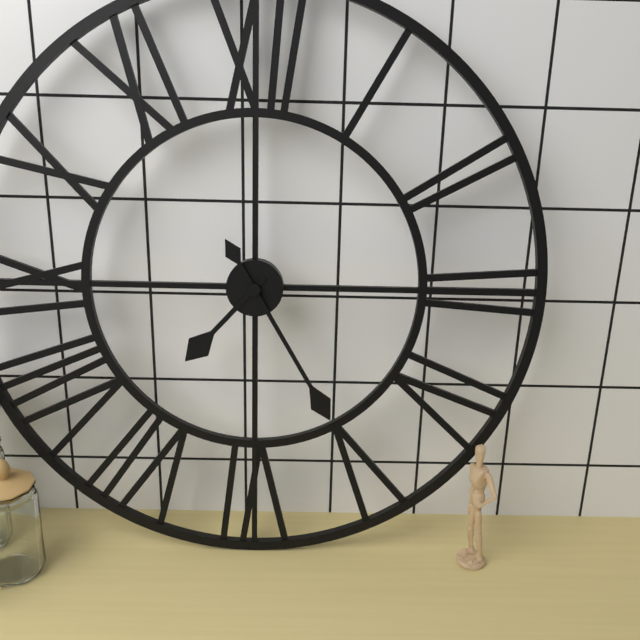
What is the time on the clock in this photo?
7:25
